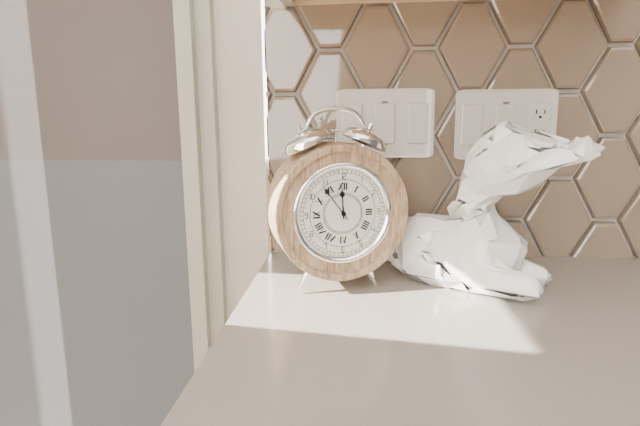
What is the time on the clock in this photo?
11:54
